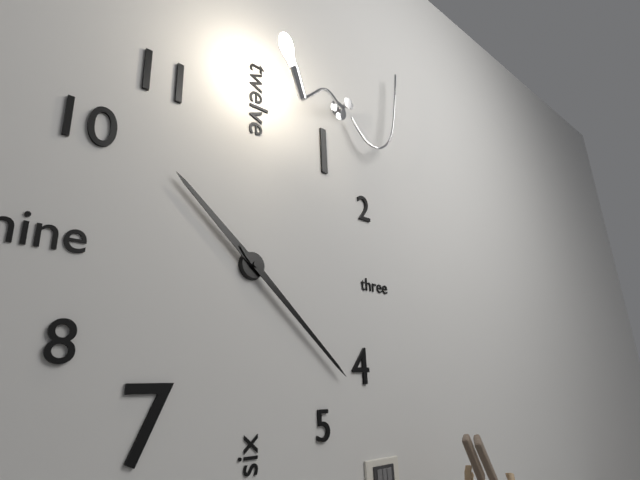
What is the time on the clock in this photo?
10:22
